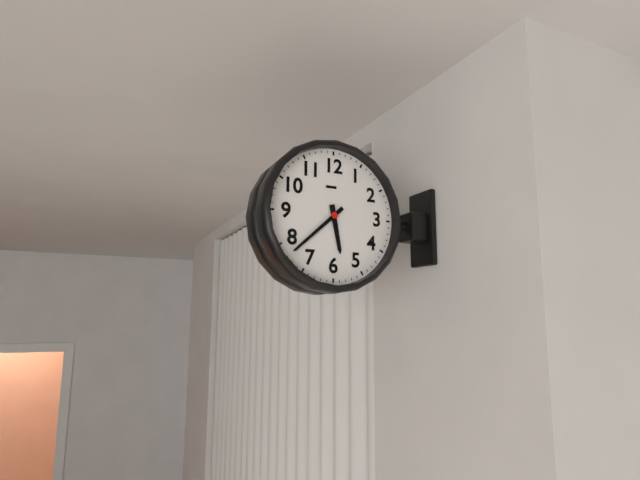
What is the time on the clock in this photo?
5:38
